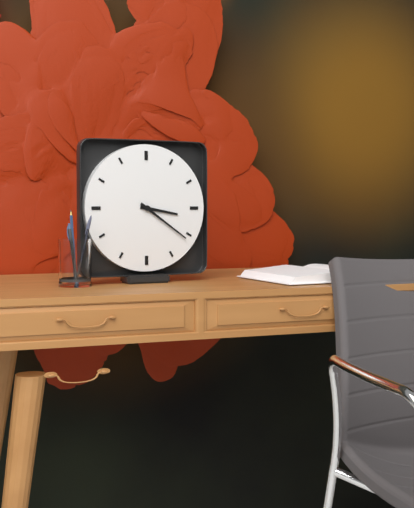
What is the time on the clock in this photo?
3:21
